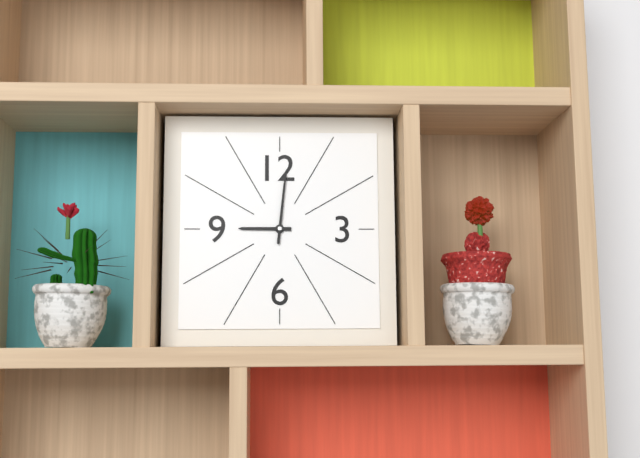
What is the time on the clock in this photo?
9:01
